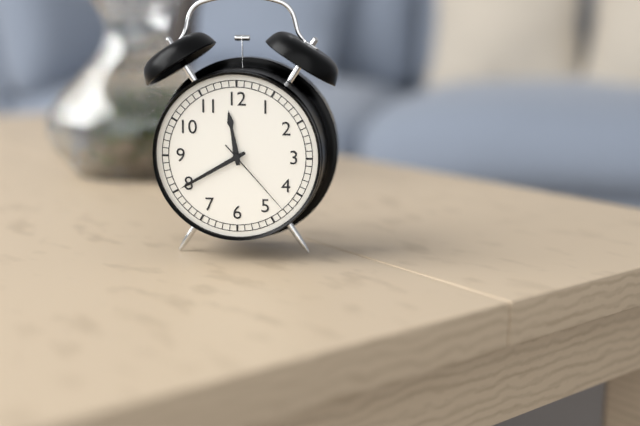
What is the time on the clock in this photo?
11:40:23
